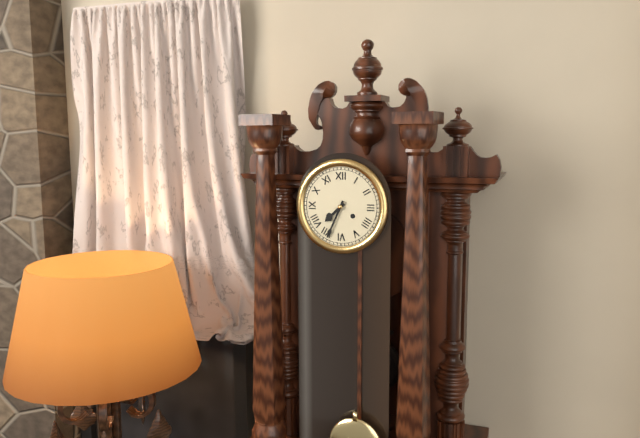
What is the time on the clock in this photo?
7:34
